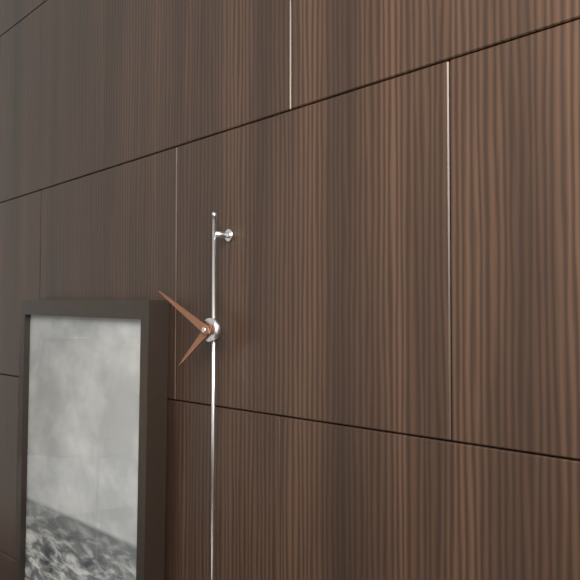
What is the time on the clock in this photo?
7:49
